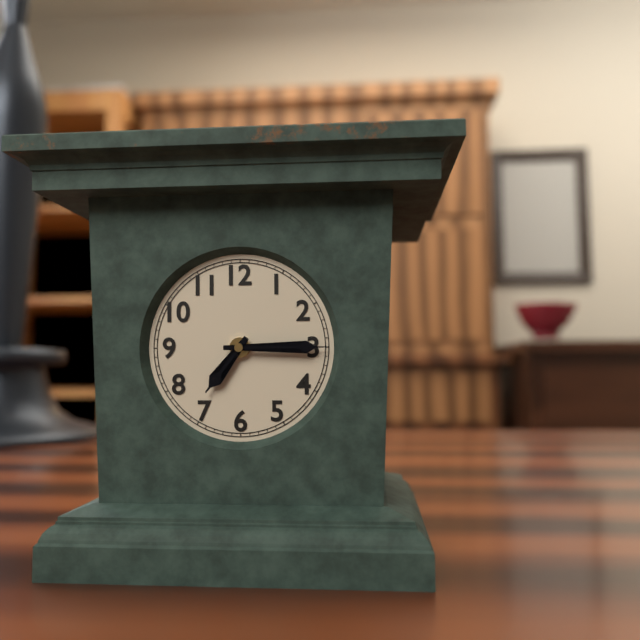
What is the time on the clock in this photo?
7:15
